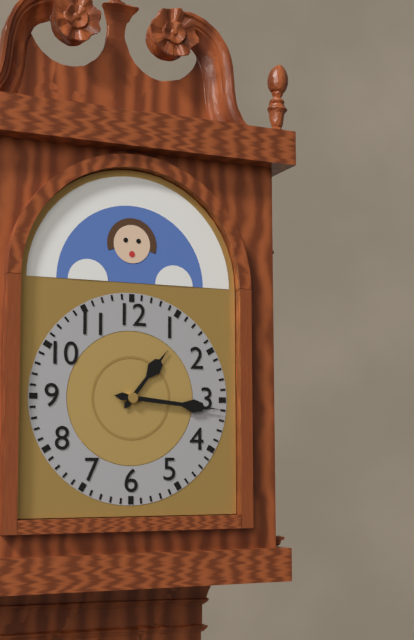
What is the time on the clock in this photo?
1:16
